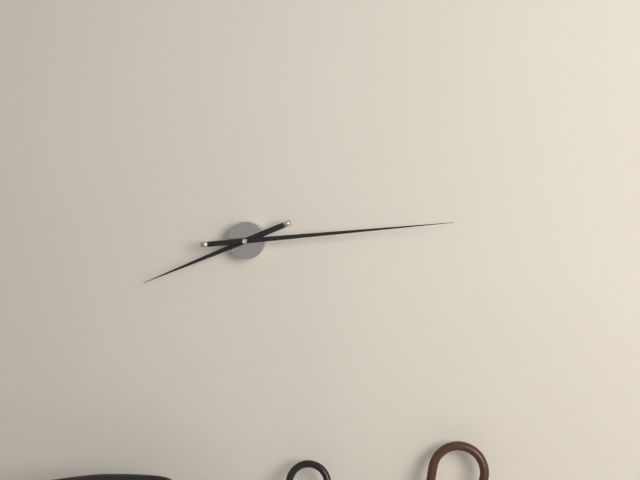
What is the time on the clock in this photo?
8:14
